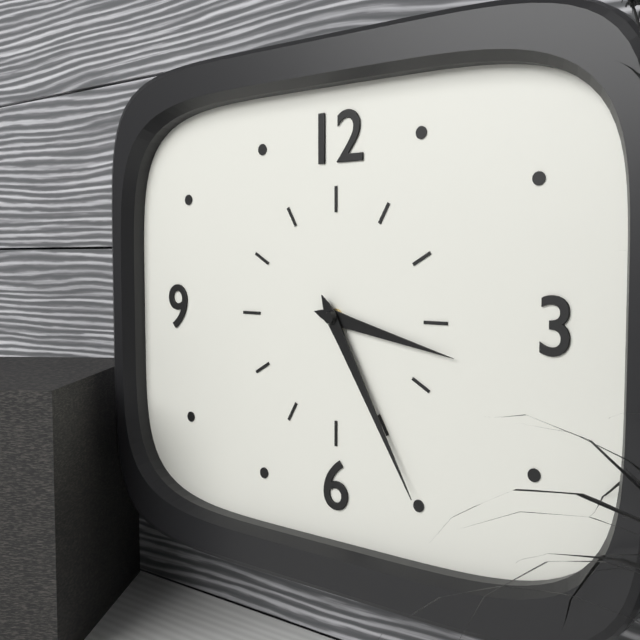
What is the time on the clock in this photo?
3:25
